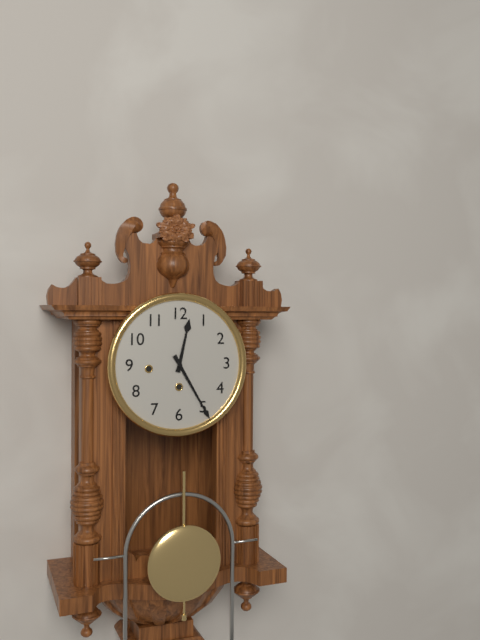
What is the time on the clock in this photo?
12:25
